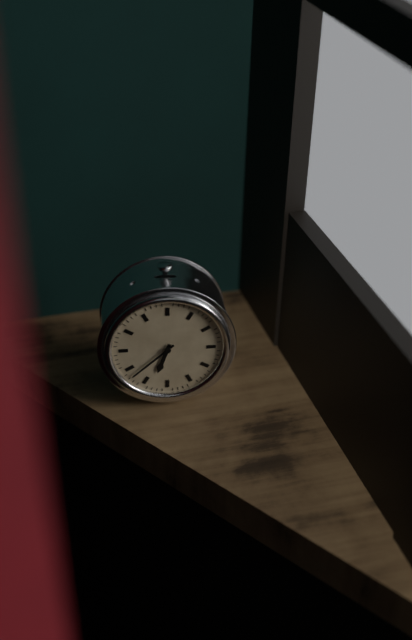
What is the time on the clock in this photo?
6:38
